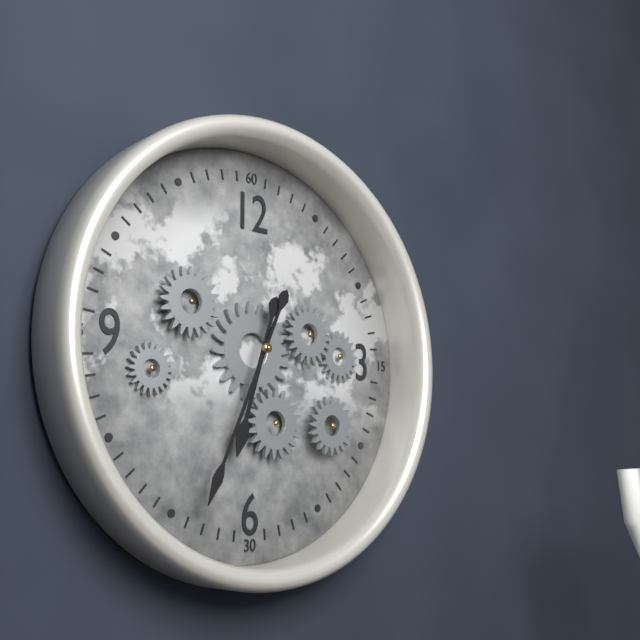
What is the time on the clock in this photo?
6:34
